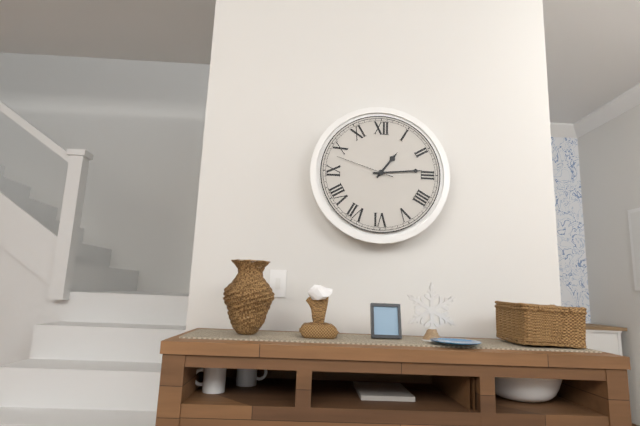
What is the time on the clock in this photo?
1:14:48
